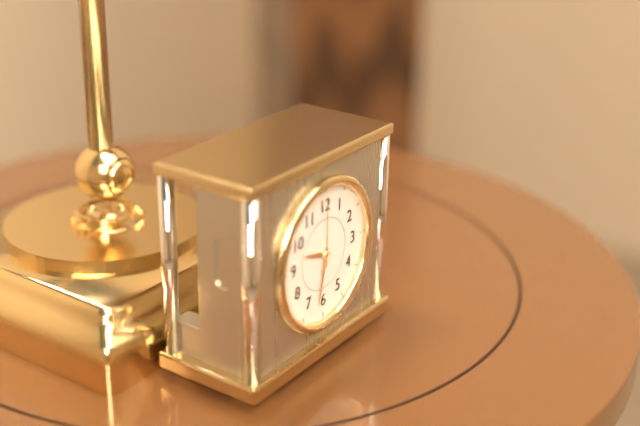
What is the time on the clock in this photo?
9:32:00
